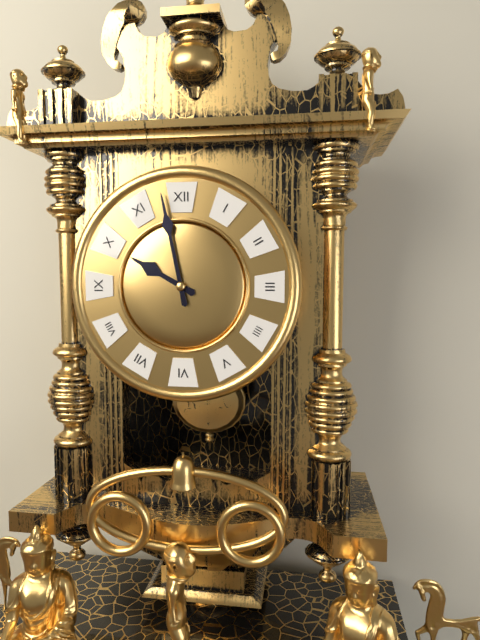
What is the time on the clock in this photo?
9:58
